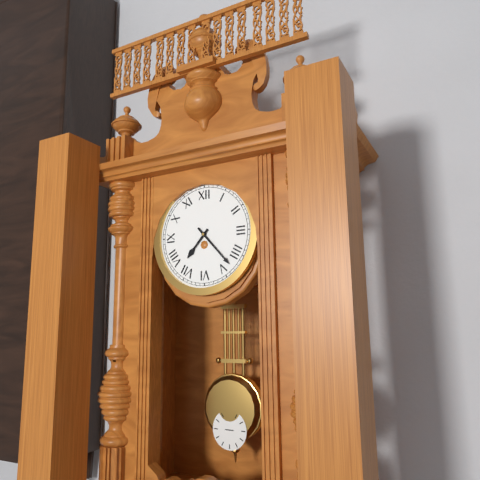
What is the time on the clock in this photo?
7:23
